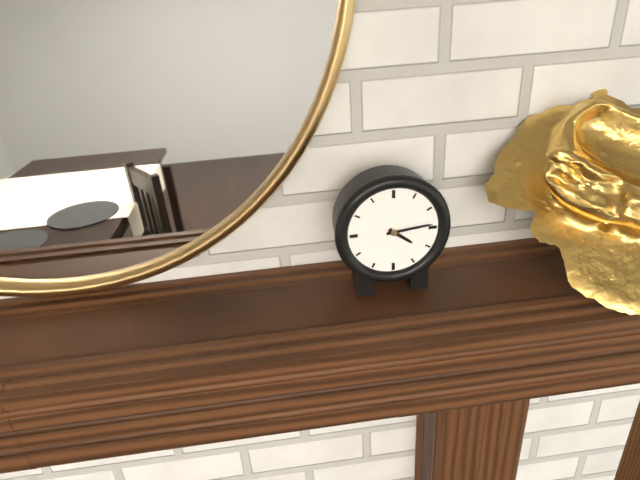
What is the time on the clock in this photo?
4:14
